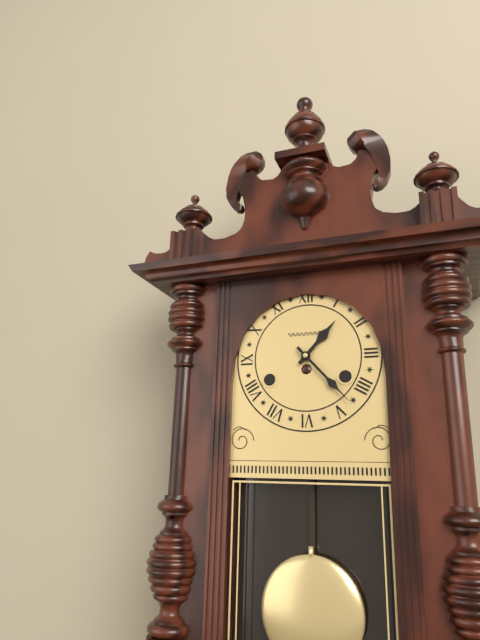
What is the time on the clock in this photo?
1:23
